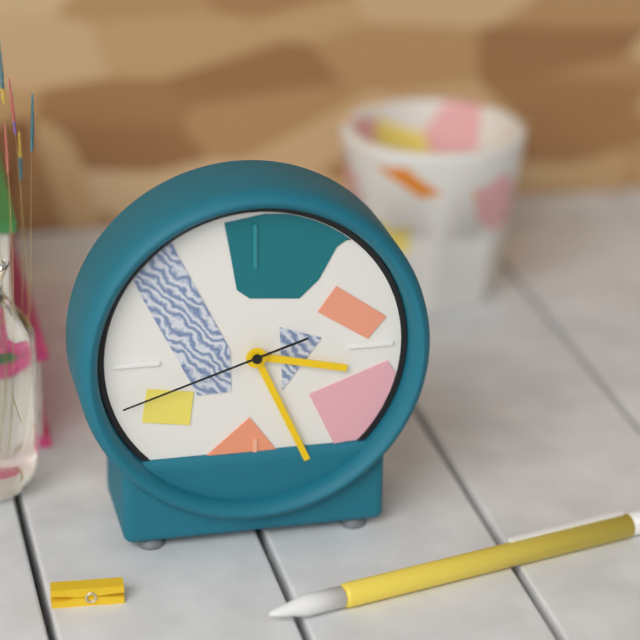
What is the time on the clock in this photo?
3:26:42
